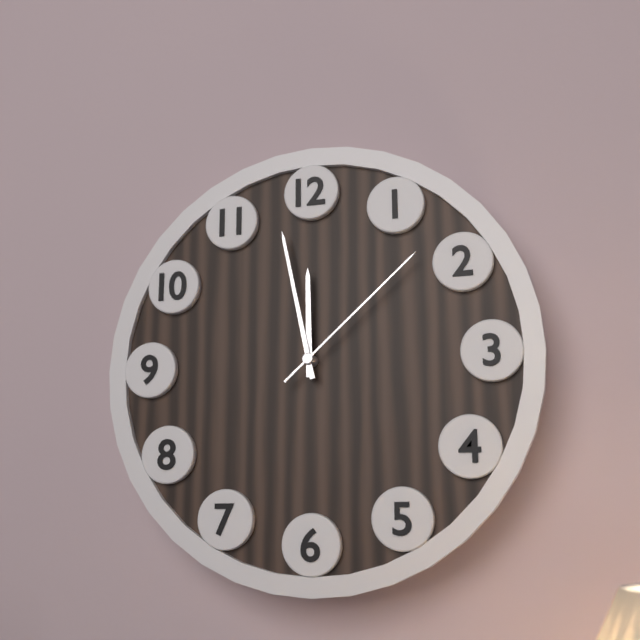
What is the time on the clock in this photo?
11:58:08
